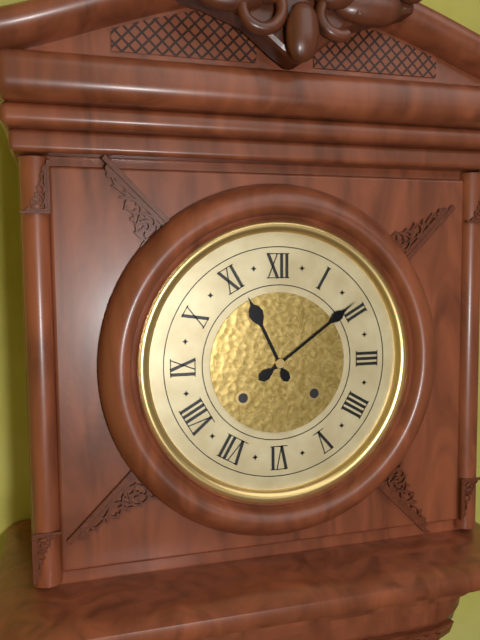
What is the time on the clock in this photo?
11:09
